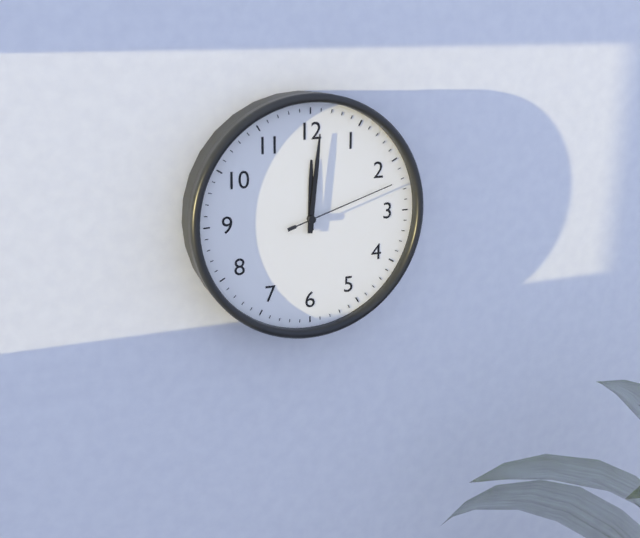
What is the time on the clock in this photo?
12:01:12
